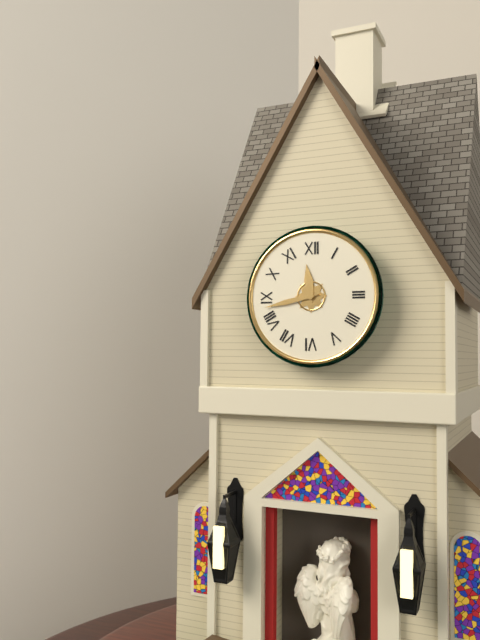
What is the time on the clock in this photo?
11:43
